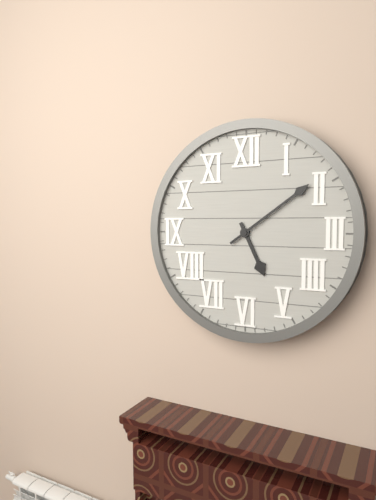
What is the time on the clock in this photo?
5:09
